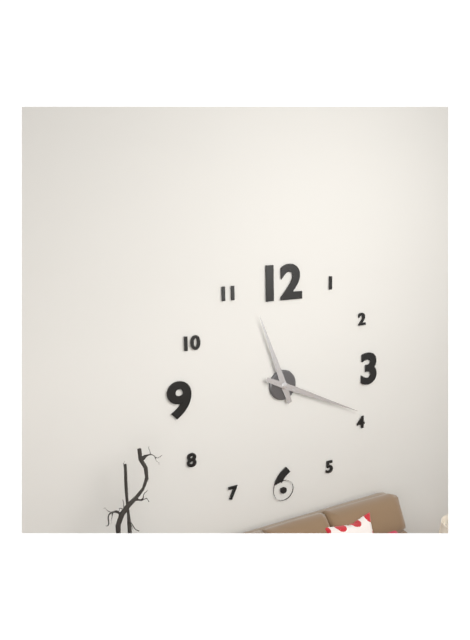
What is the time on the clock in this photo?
11:19
